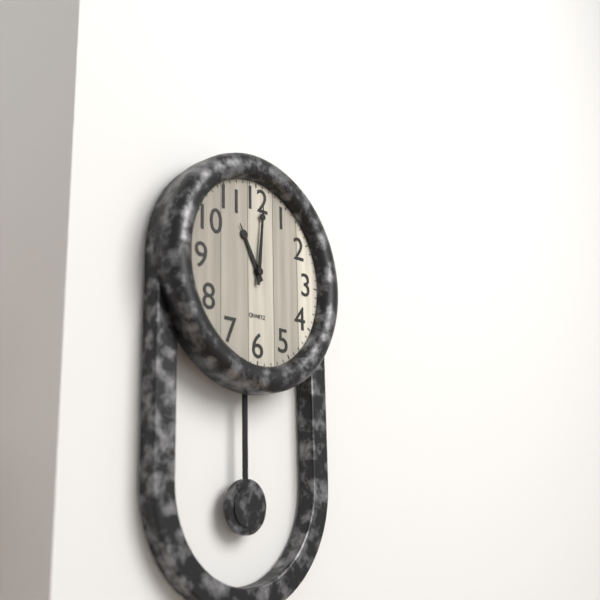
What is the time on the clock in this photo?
11:01
